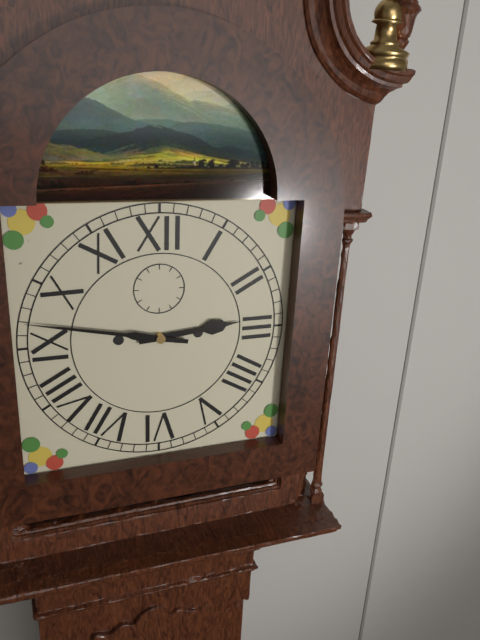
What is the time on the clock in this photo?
2:47
